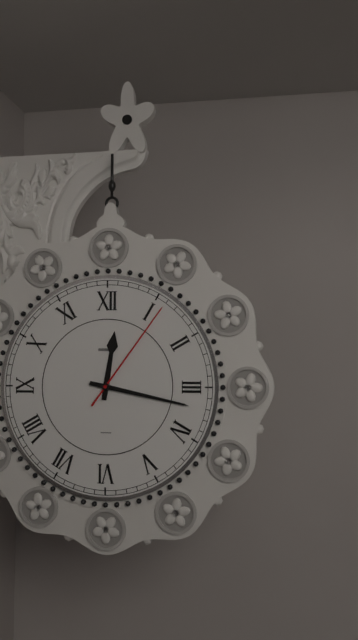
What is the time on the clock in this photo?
12:17:06
